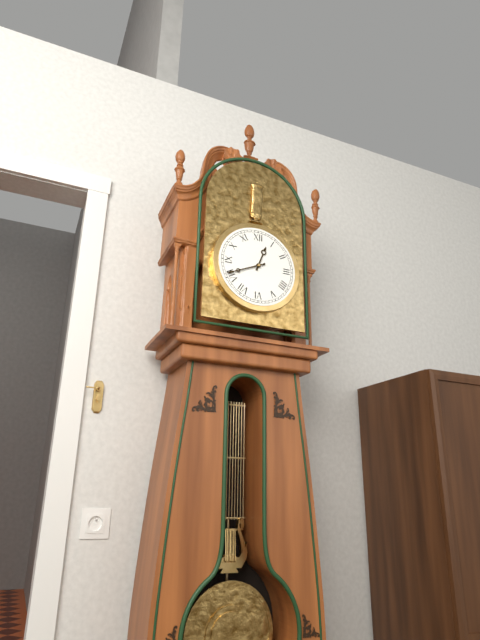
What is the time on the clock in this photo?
12:41
